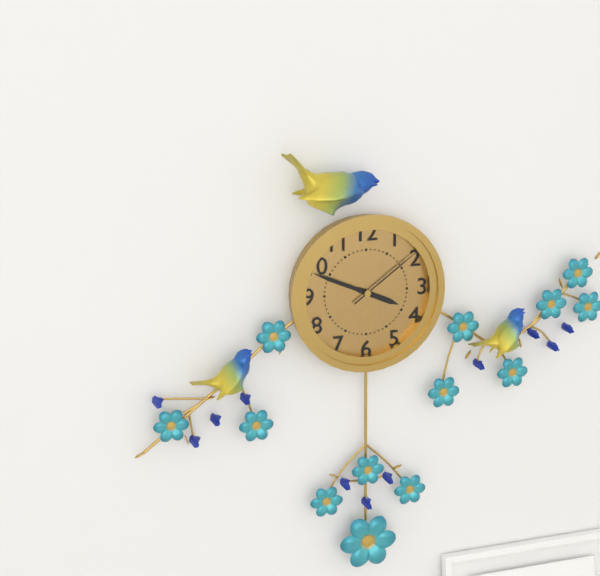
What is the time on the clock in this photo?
3:49:09
